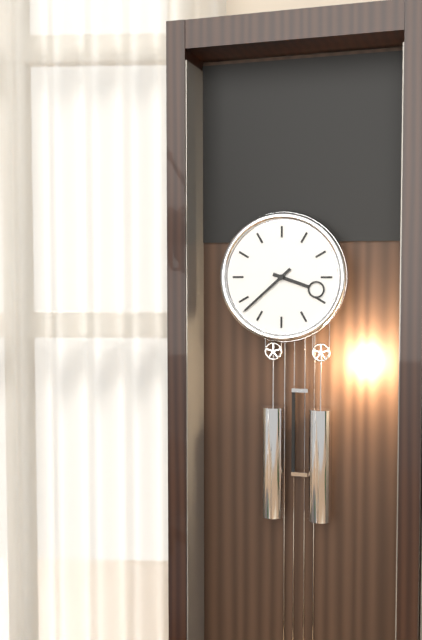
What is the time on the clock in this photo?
3:38
